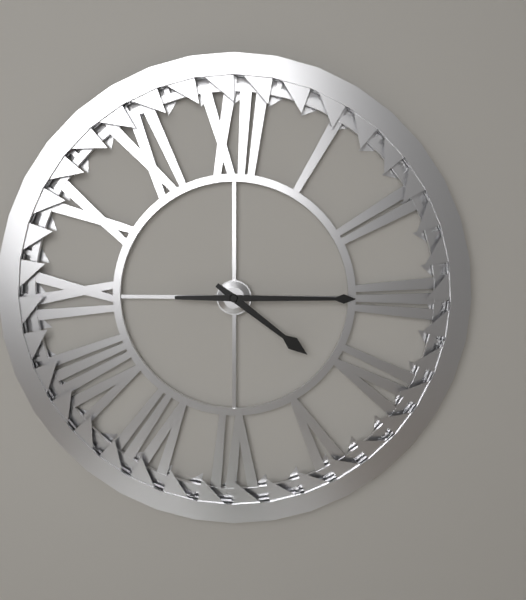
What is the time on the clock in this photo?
4:15
